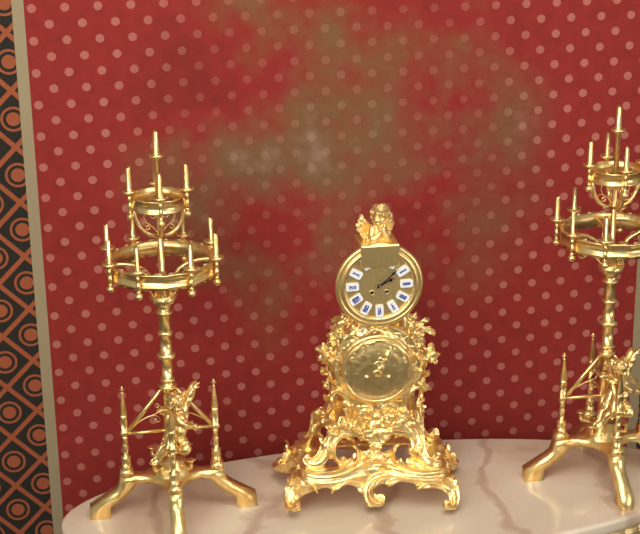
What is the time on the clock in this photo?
2:08
